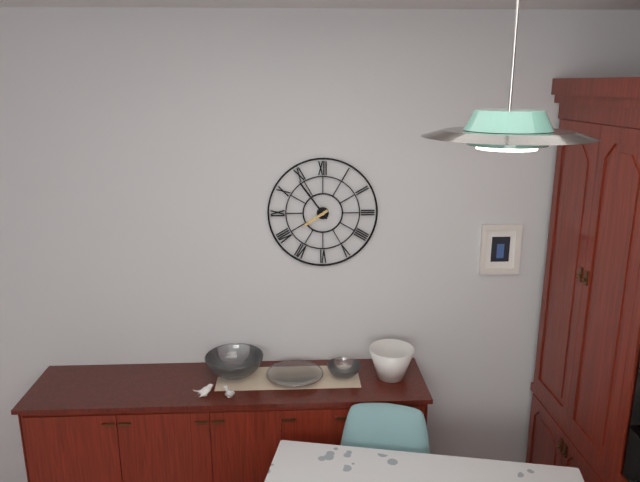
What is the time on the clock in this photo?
7:54
